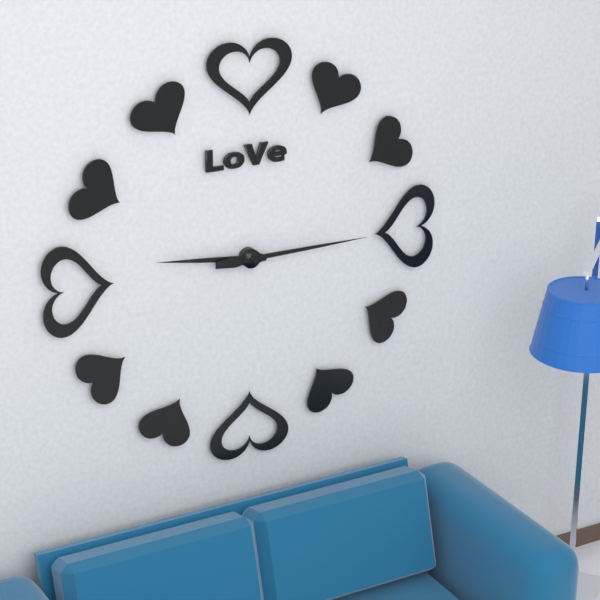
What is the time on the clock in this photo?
9:15
